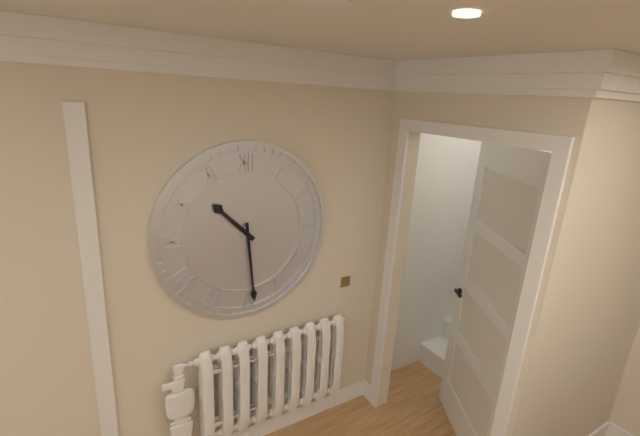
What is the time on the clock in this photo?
10:29
